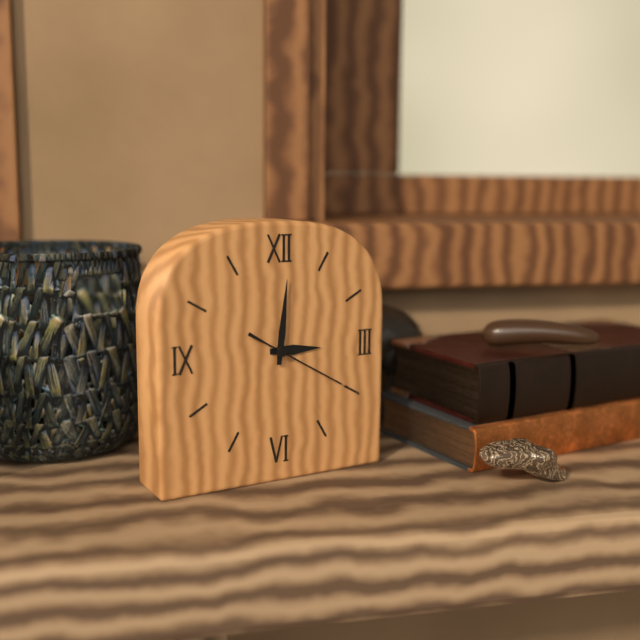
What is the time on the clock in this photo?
3:01:20
